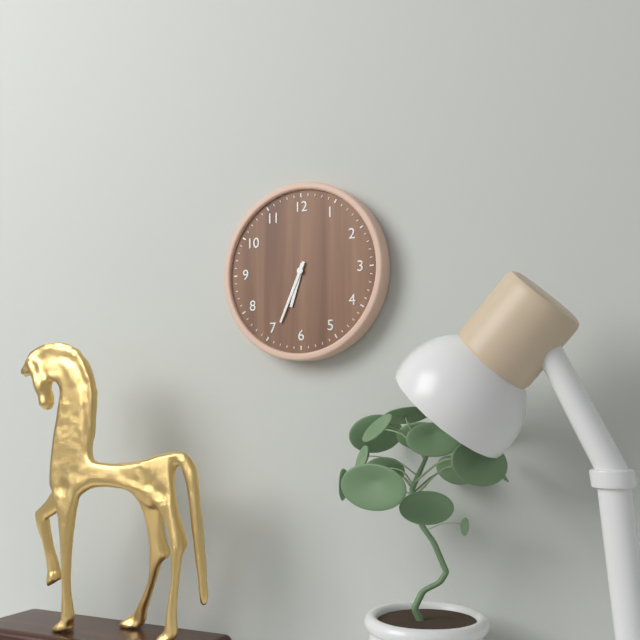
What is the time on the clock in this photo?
6:34
